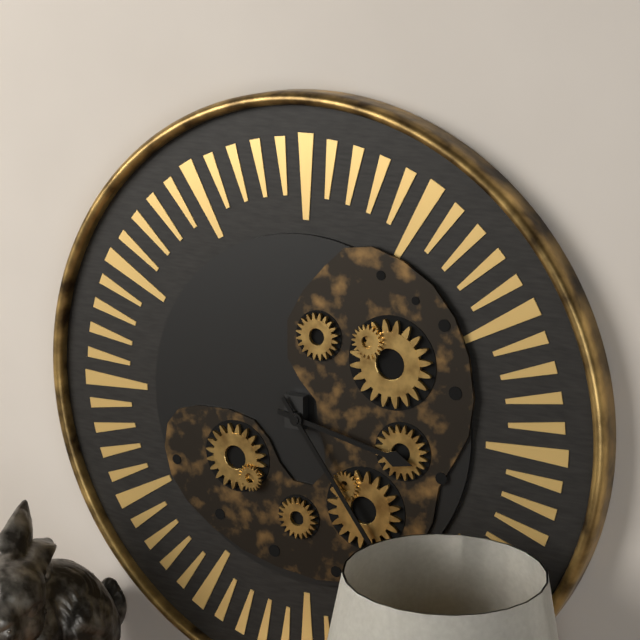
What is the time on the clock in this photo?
3:24
